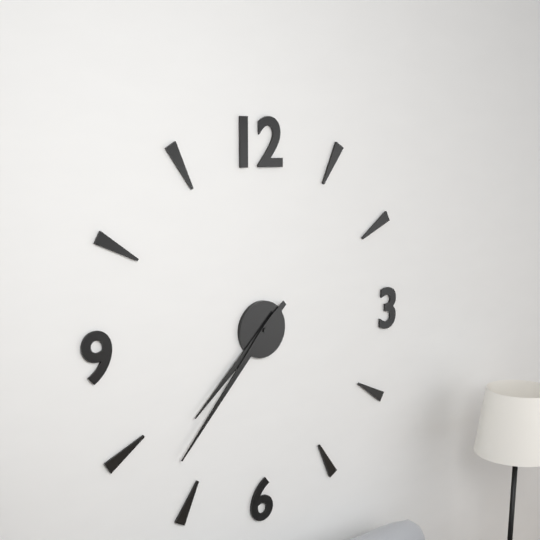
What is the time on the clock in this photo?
7:37
